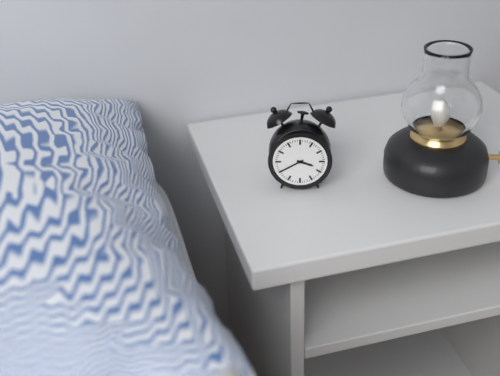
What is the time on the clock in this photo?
3:40
